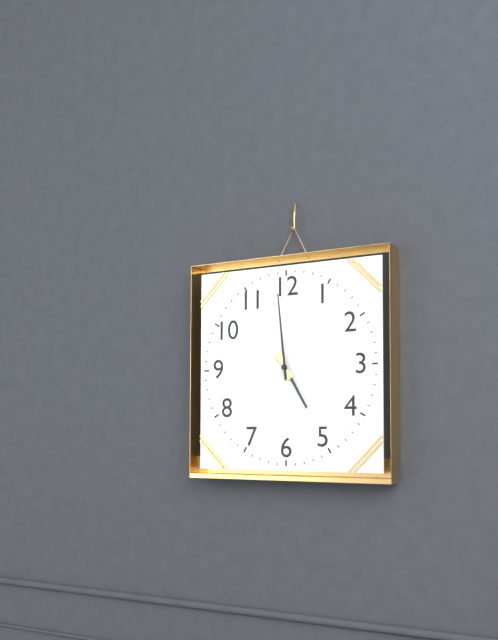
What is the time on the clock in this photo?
4:59
